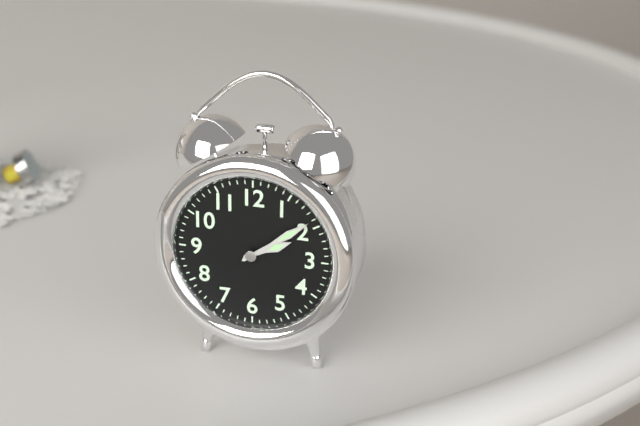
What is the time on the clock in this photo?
2:09
